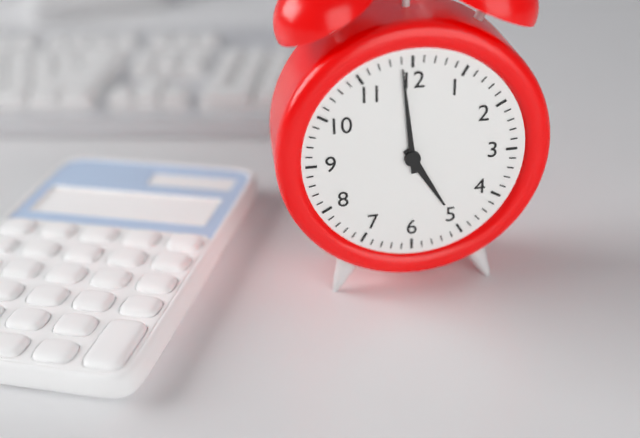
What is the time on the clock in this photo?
4:59
